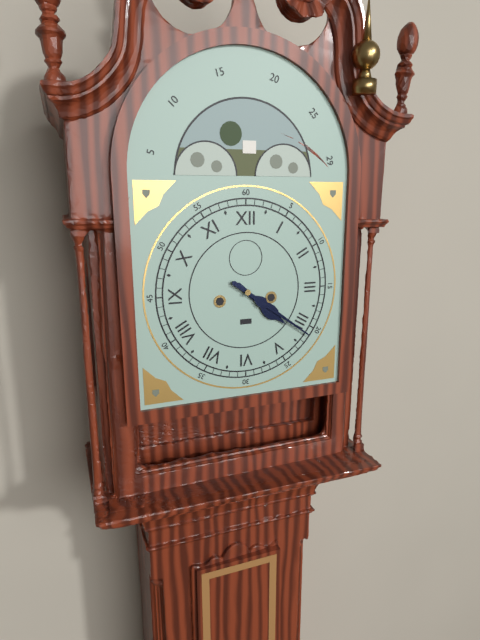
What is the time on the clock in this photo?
4:21
